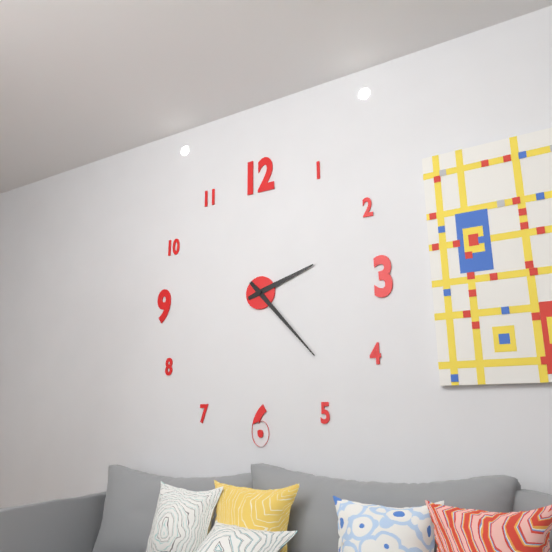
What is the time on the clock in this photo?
2:23
